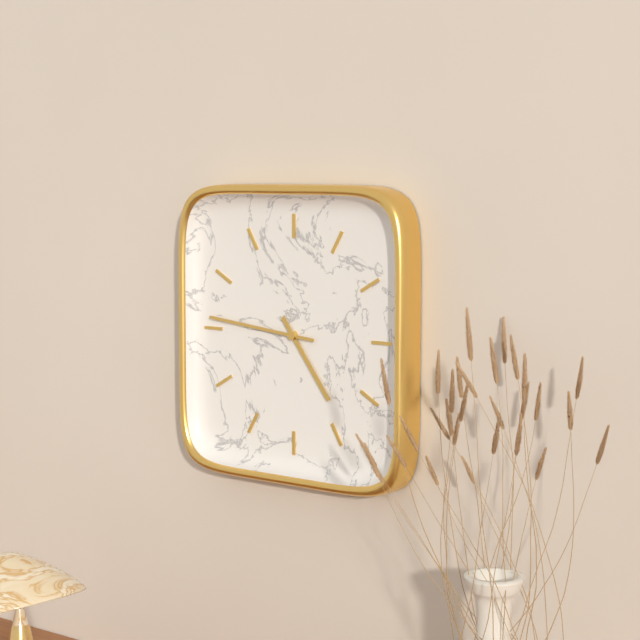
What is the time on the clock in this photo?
4:46
